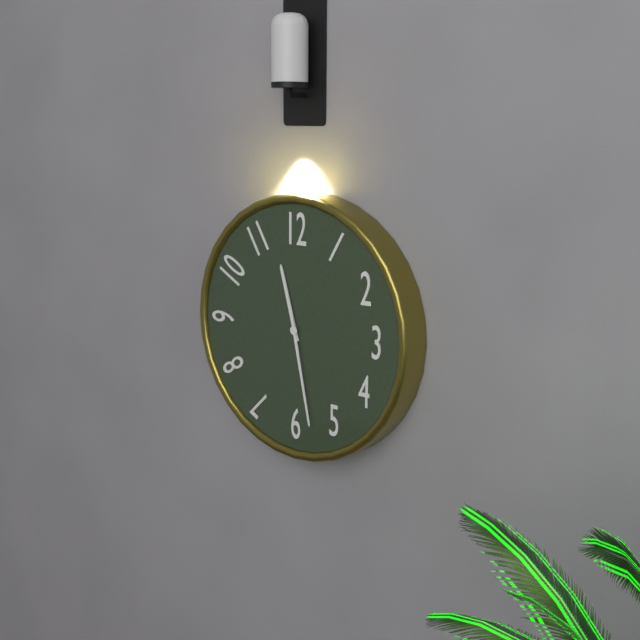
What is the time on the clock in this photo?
11:28
